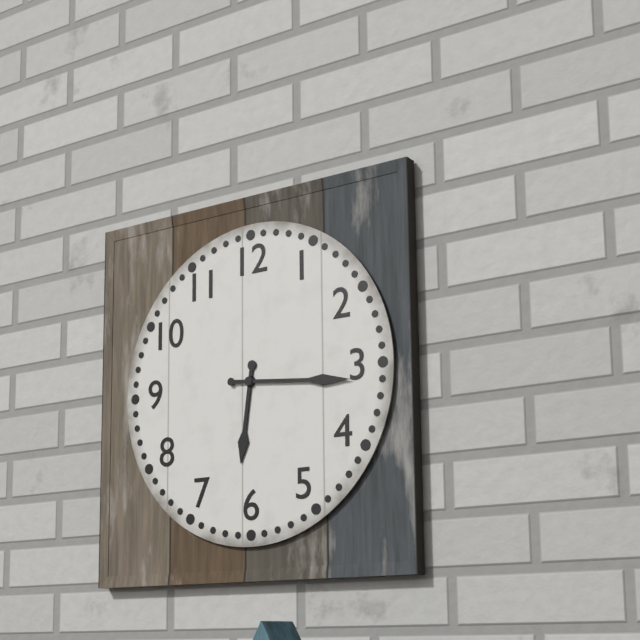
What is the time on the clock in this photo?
6:16
